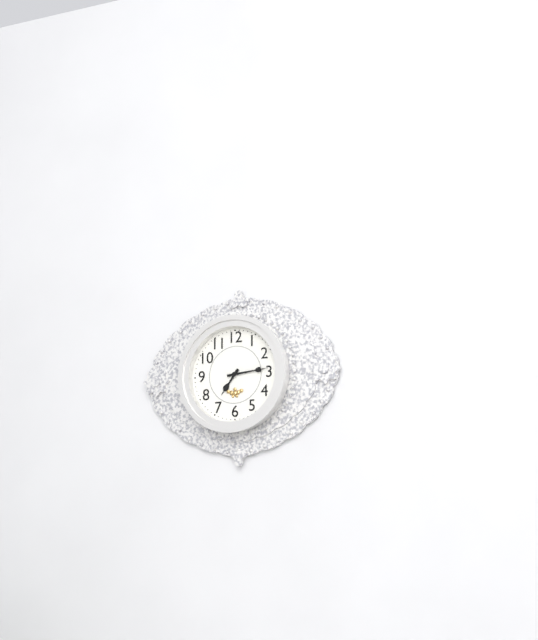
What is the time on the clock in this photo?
7:14
